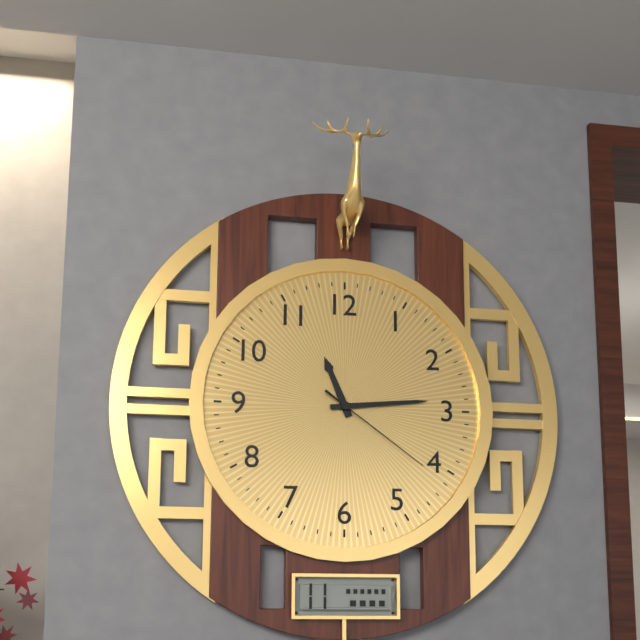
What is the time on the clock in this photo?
11:14:21
